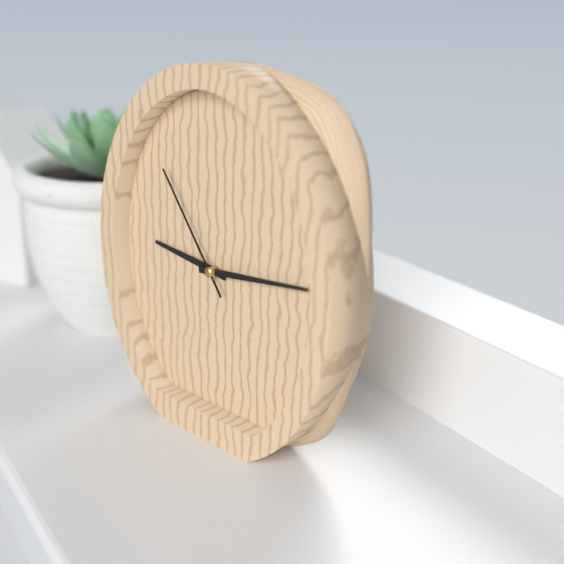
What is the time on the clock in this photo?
9:14:54
